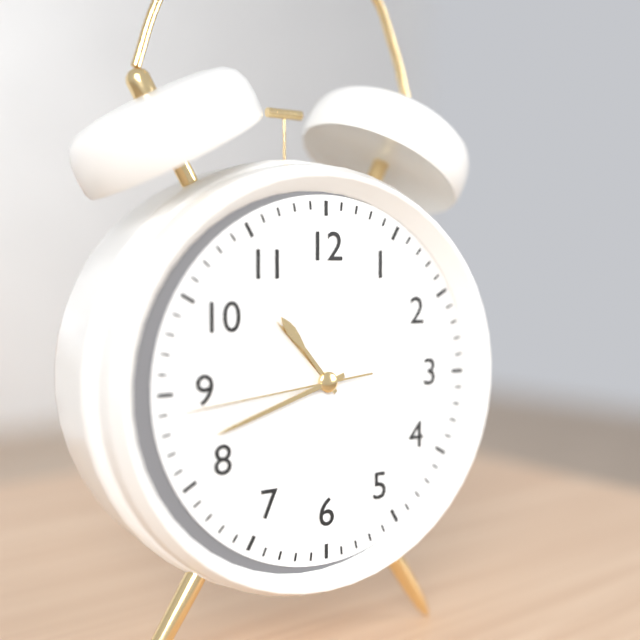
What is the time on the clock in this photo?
10:42:44
